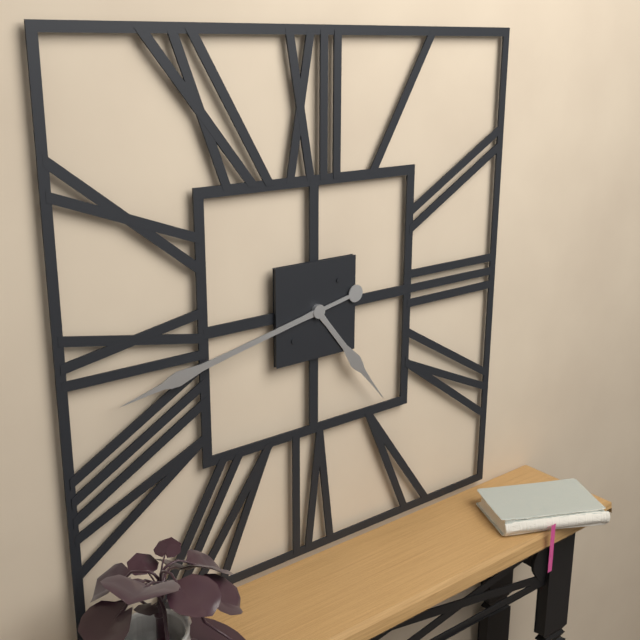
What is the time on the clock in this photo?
4:43
